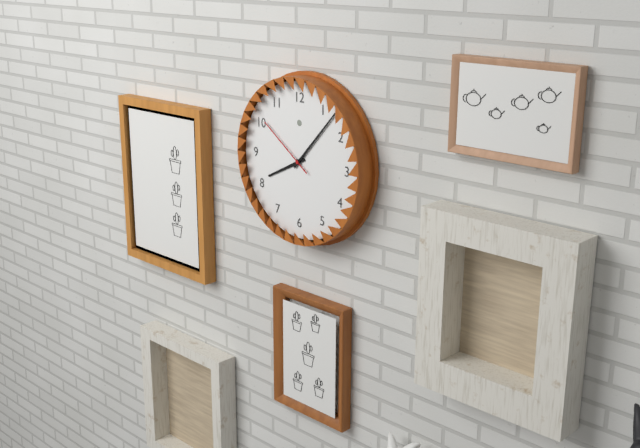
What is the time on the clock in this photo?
8:07:51
